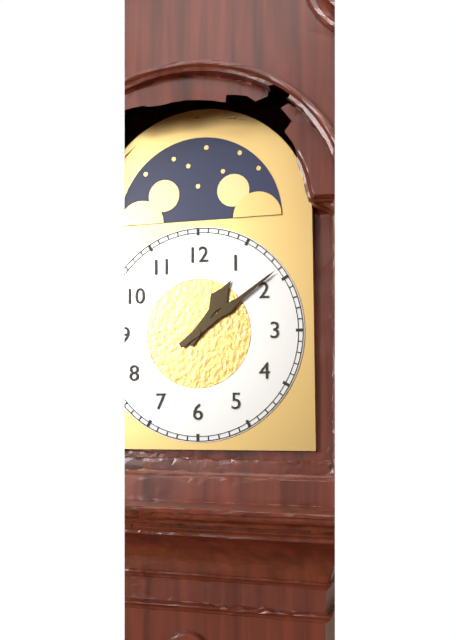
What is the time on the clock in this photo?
1:09
